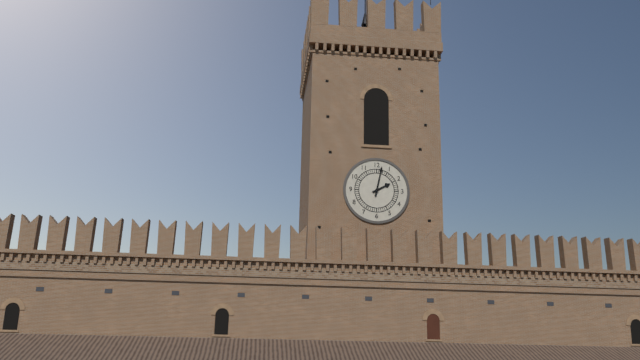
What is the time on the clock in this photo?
2:02
